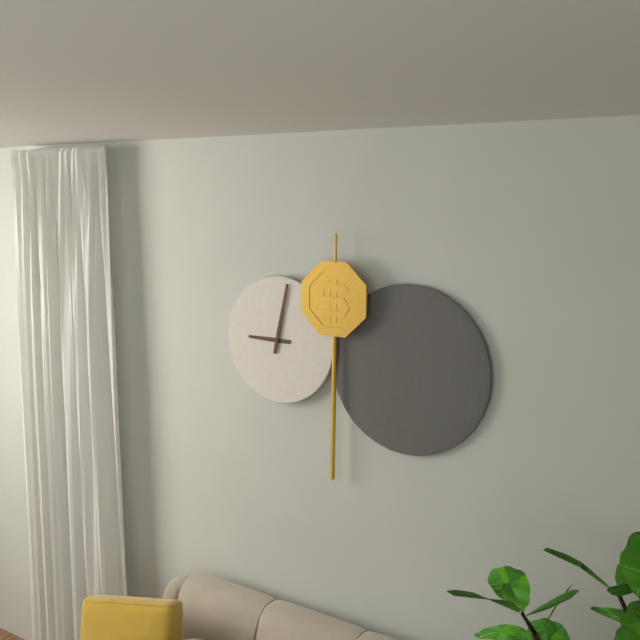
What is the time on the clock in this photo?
9:02
